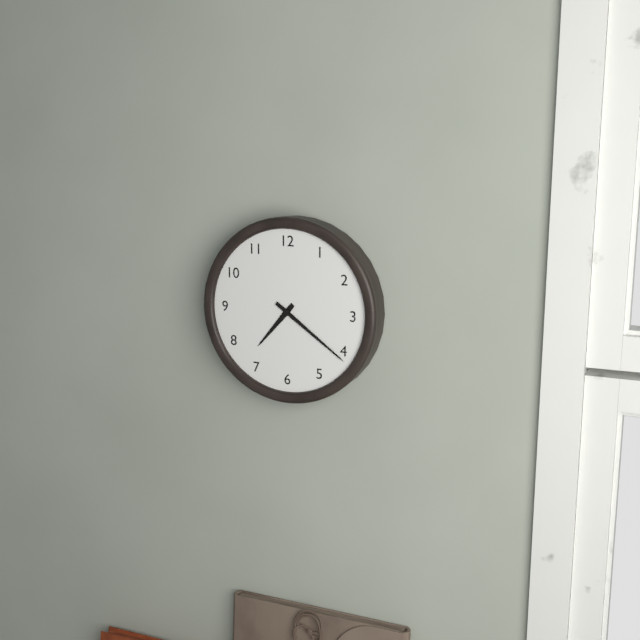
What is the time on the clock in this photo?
7:21
